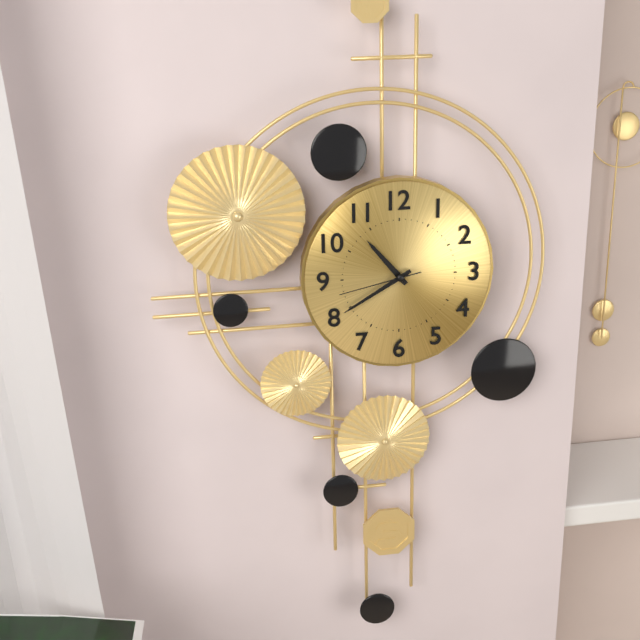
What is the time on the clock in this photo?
10:40:43
